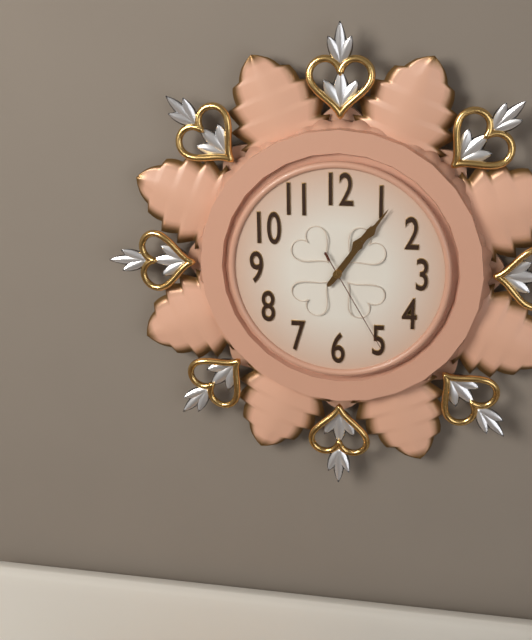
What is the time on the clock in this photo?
1:06:25
